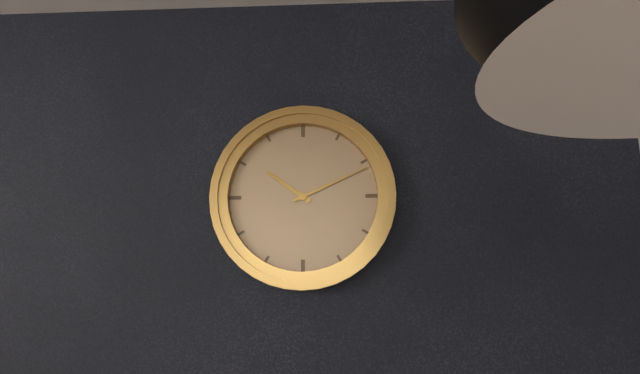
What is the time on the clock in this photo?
10:11
